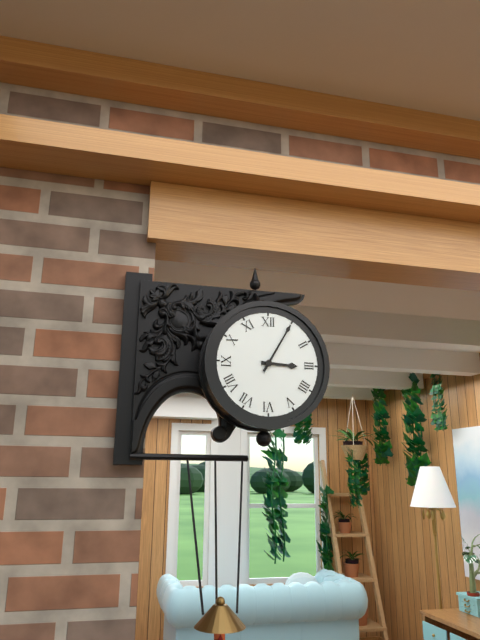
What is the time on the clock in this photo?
3:05
